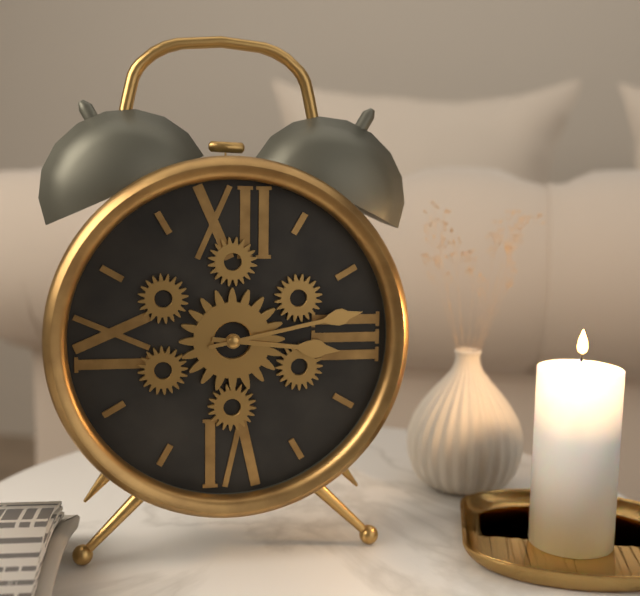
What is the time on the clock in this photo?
3:13
